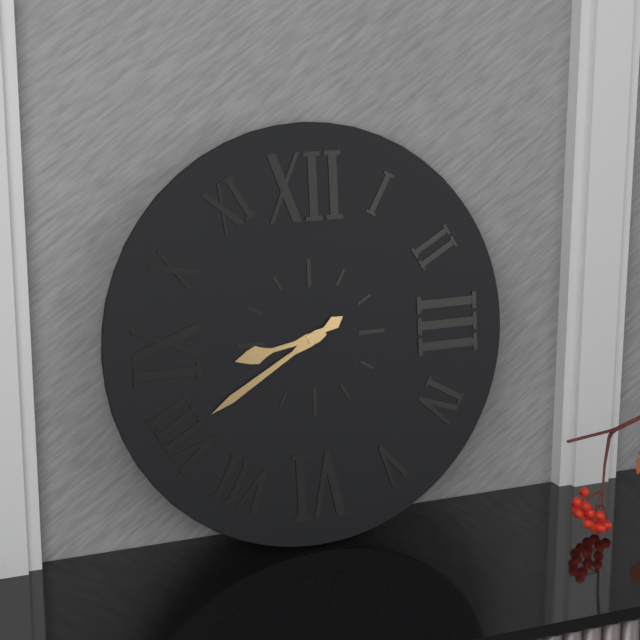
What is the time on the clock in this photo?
8:40
